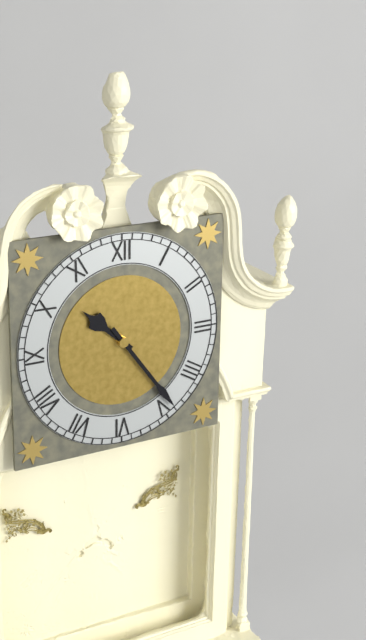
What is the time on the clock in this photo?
10:24
